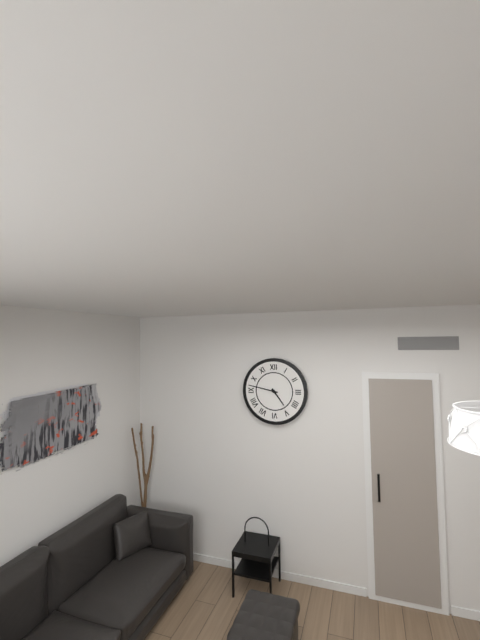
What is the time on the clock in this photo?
4:47
